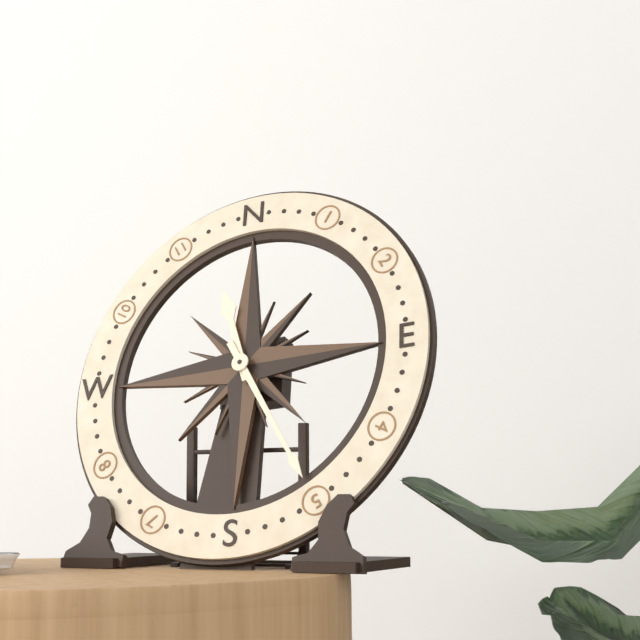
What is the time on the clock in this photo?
11:25
